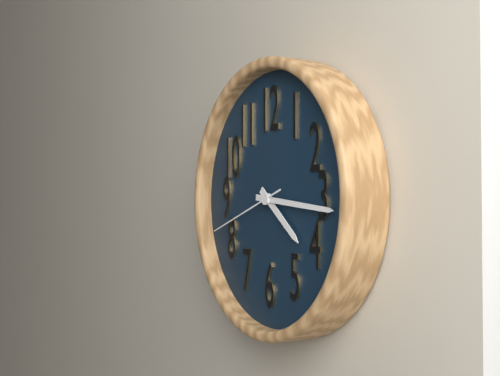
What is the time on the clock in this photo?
4:16:42
